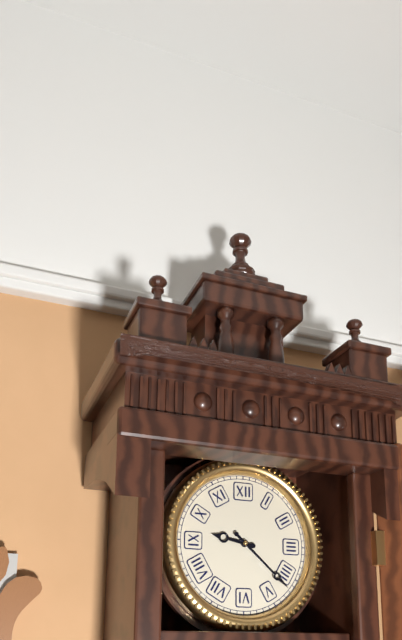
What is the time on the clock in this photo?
9:22
